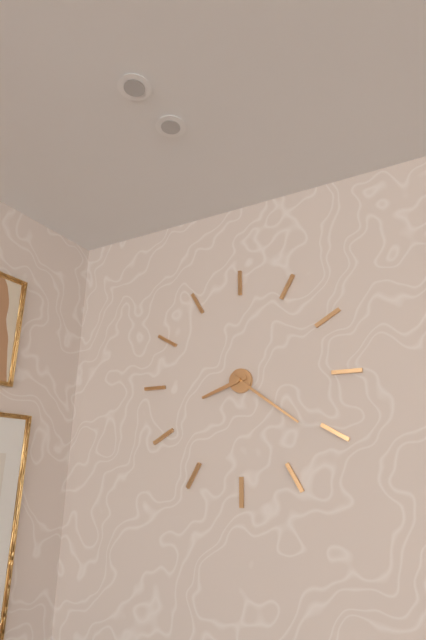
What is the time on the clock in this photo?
8:21
